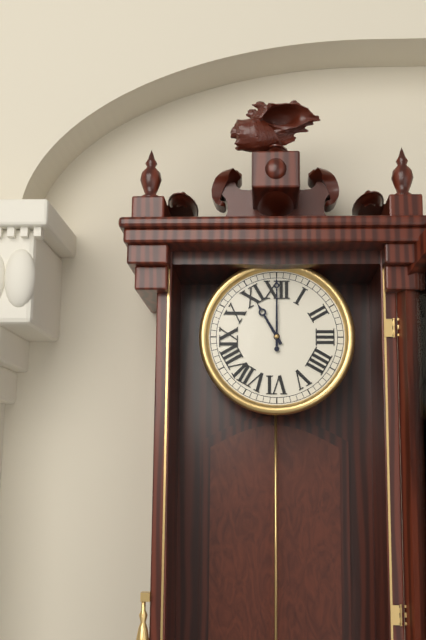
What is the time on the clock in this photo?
11:00
